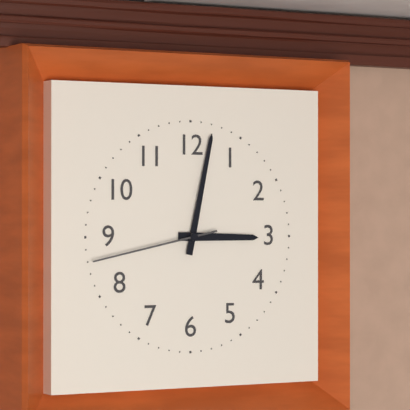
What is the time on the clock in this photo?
3:02:43
